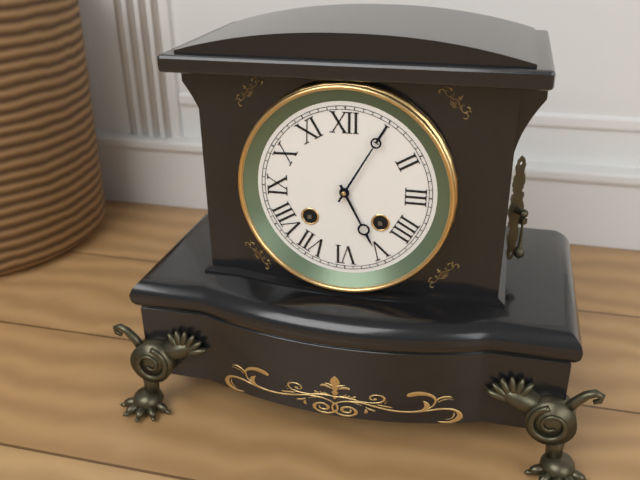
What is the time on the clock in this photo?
5:05
